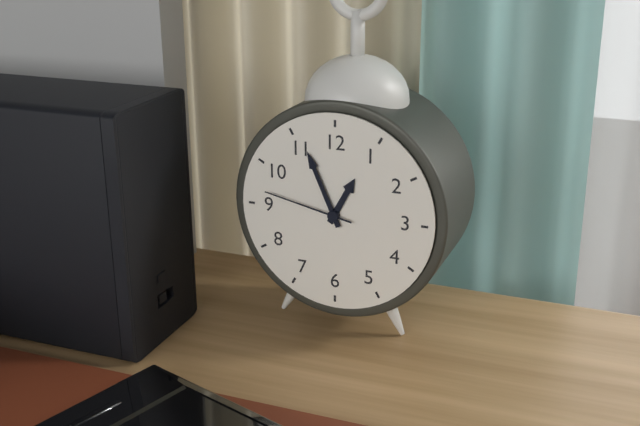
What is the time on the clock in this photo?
12:56:47
